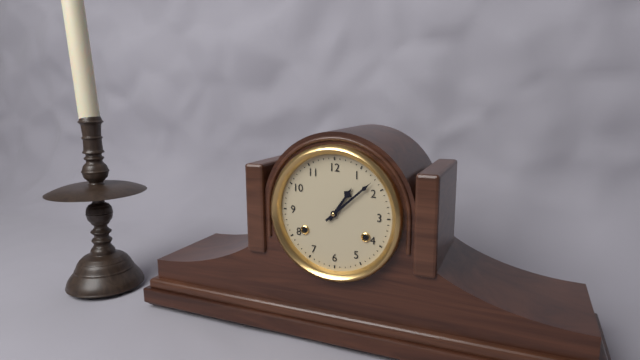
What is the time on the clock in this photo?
1:08
